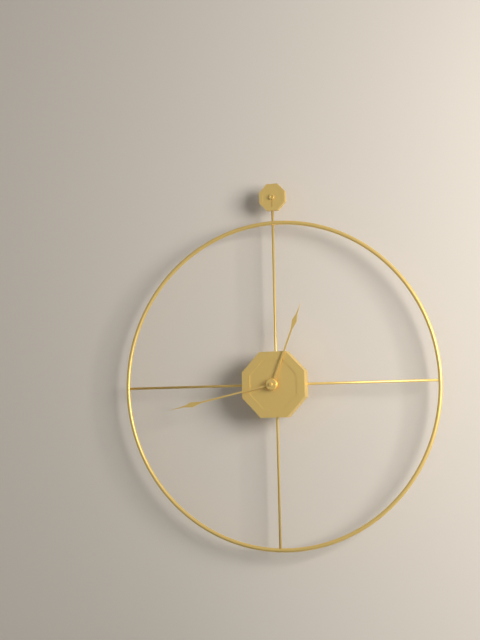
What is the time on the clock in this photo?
12:43
